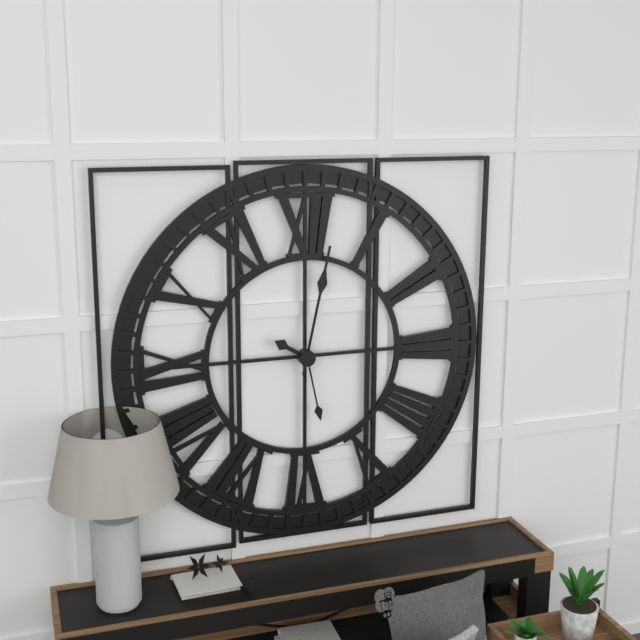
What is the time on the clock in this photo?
10:02:28
